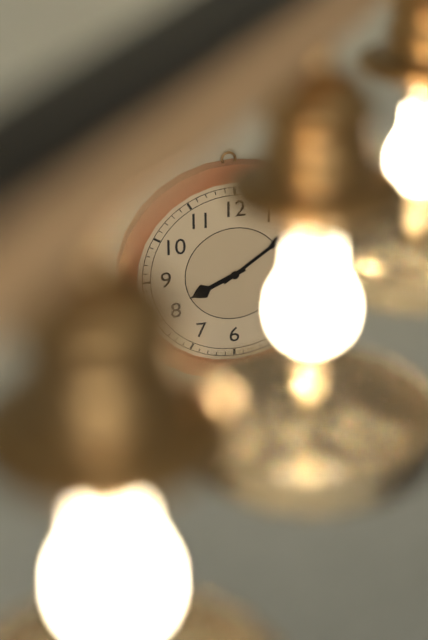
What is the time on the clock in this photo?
8:09
